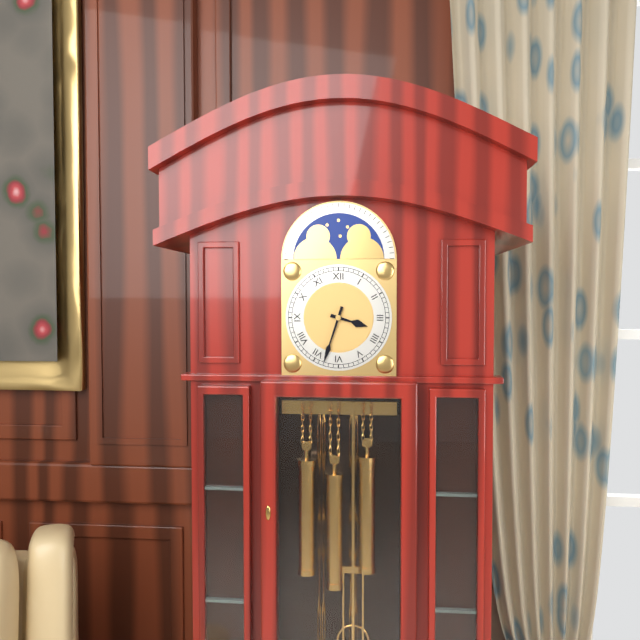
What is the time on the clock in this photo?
3:33
